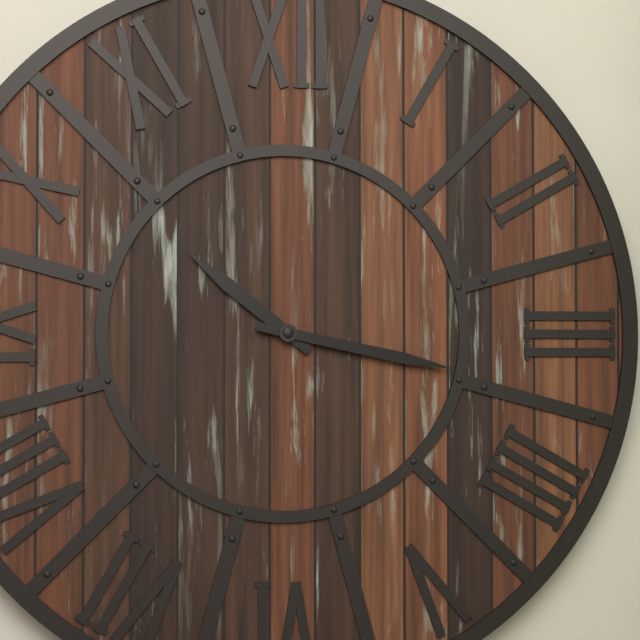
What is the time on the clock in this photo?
10:17
